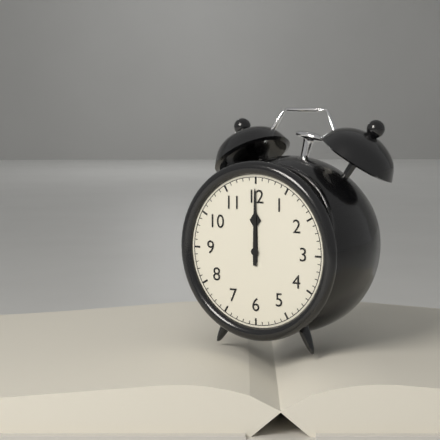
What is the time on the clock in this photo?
12:00
